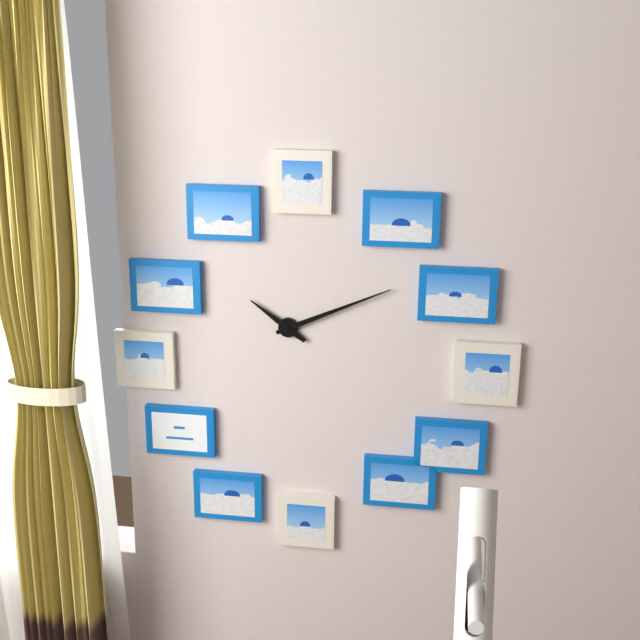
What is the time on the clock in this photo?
10:11
